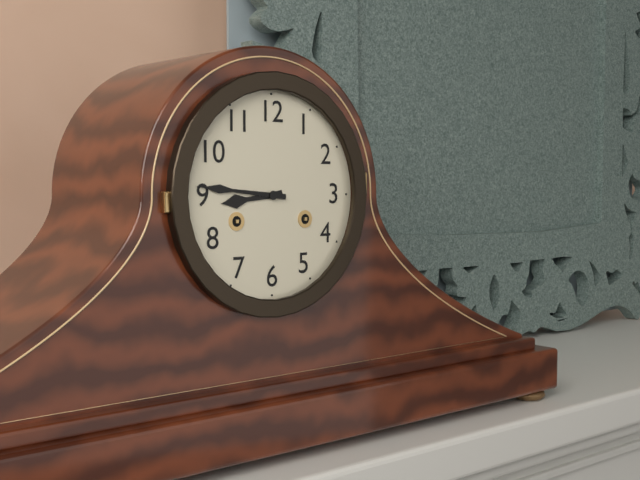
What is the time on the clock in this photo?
8:46
